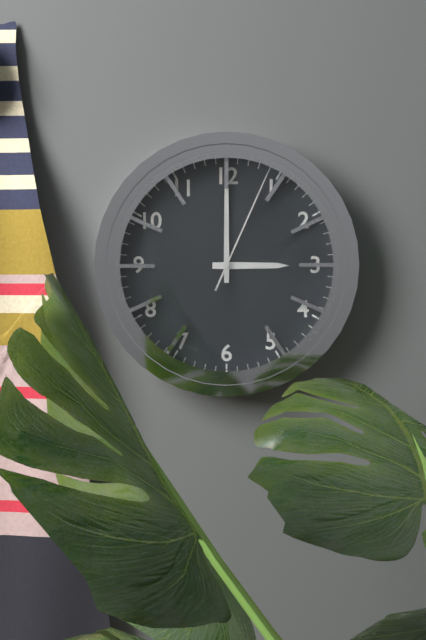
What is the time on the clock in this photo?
3:00:04
